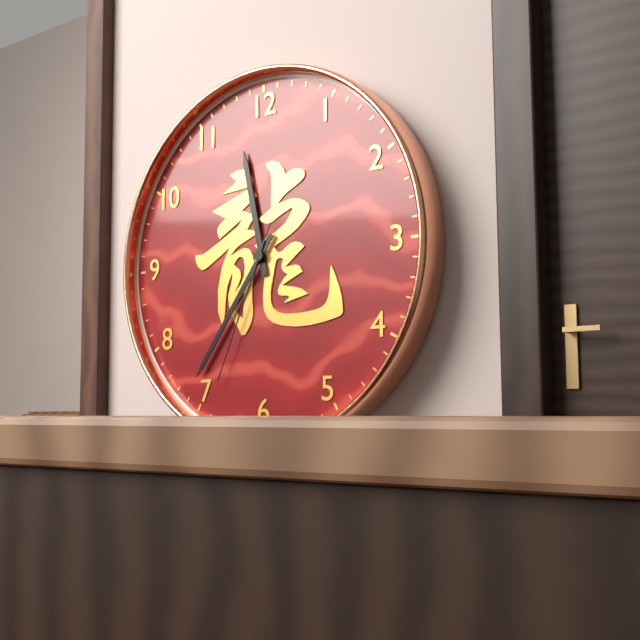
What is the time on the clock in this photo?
11:36:34
